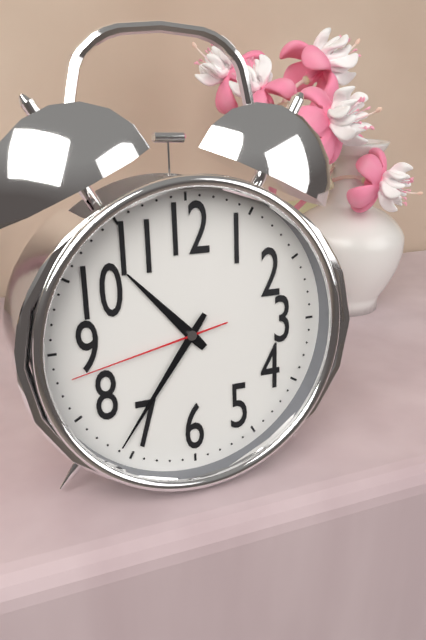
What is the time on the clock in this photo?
10:36:43
